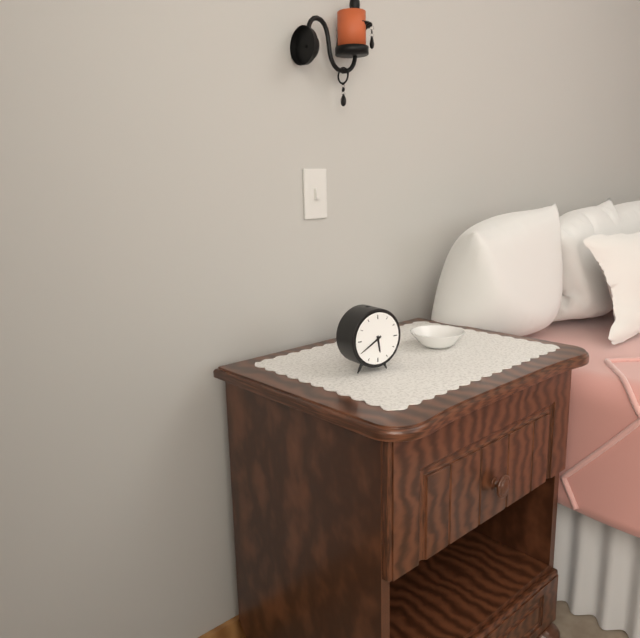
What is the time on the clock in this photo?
5:40
